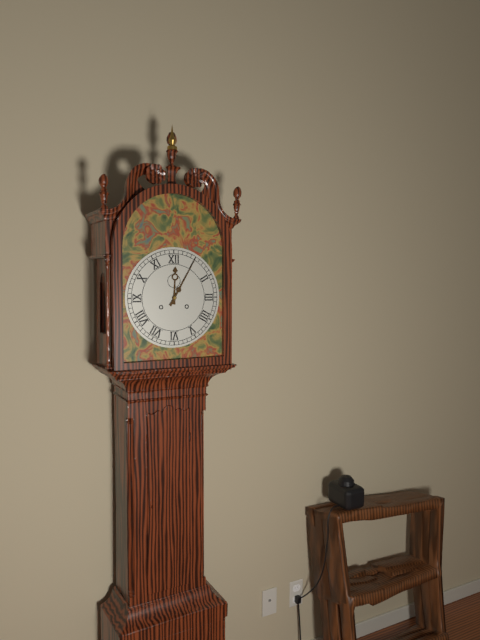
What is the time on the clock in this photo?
12:05
